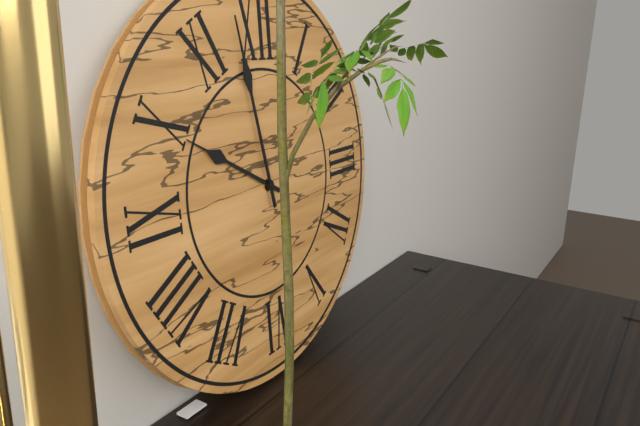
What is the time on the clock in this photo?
9:58
